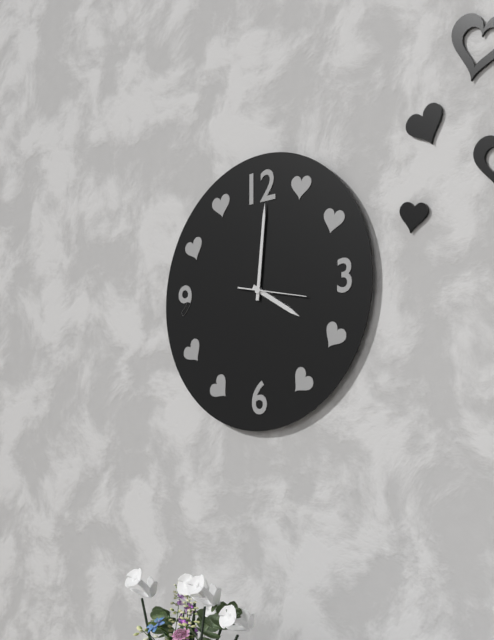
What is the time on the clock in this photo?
4:01:17
